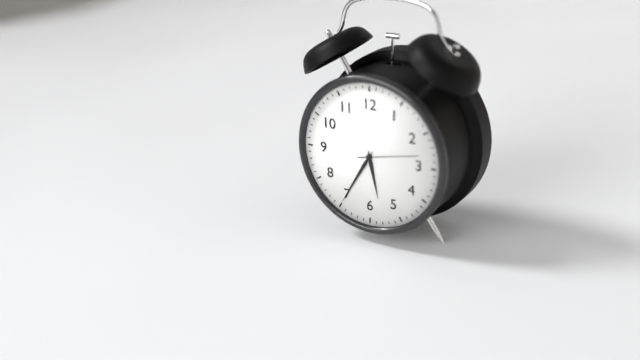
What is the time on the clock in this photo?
5:35
